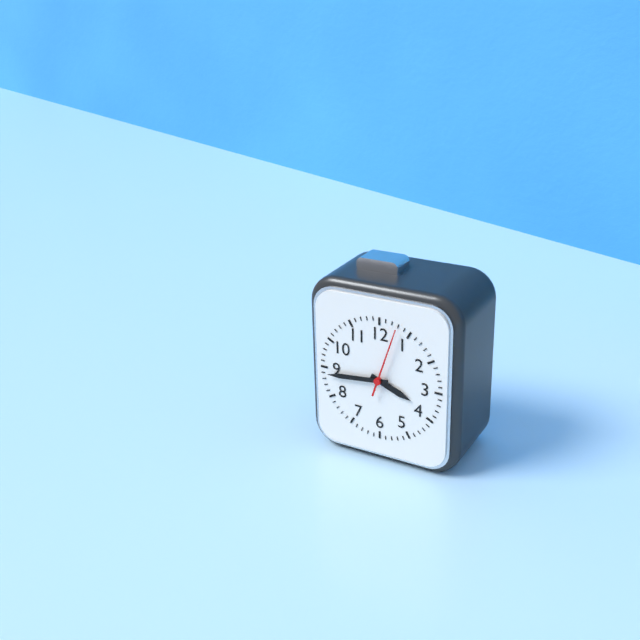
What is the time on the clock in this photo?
3:44:03
